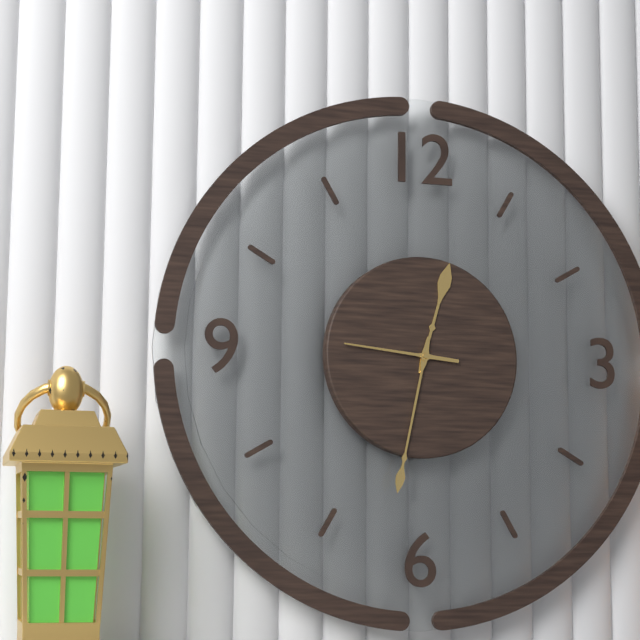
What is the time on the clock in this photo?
12:32:46
